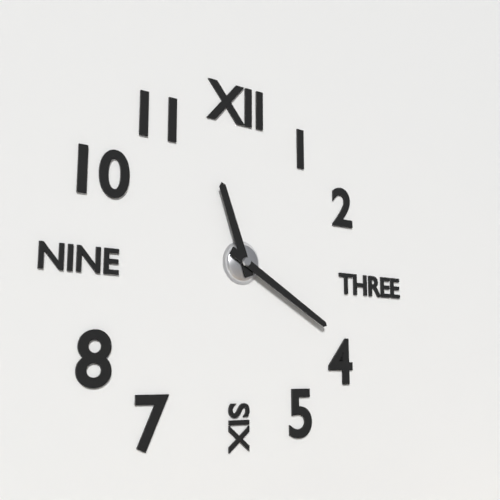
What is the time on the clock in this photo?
11:20
